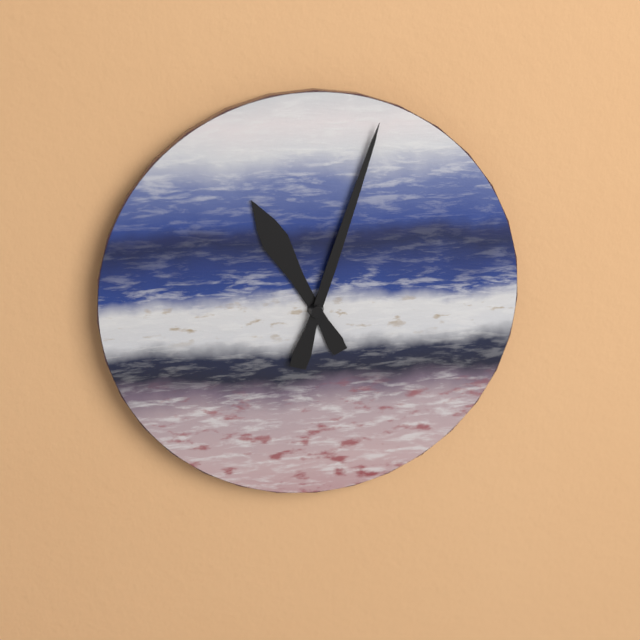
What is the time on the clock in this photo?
11:03
